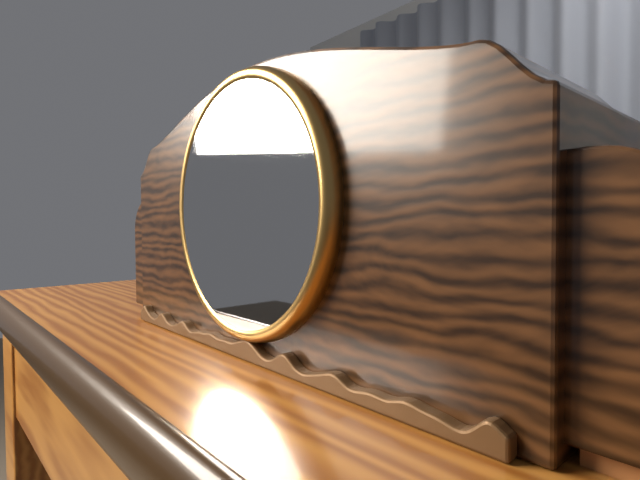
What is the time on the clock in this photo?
6:38
